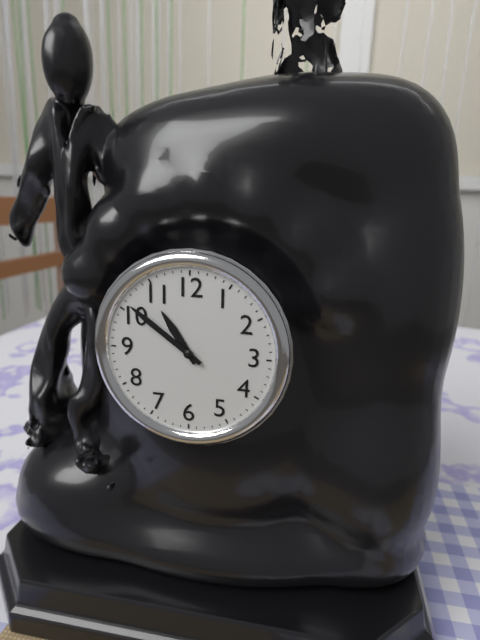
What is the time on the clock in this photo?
10:51
